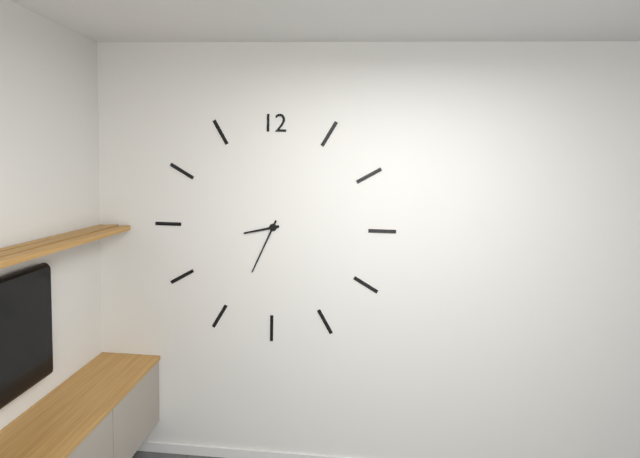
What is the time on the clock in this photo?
8:34
